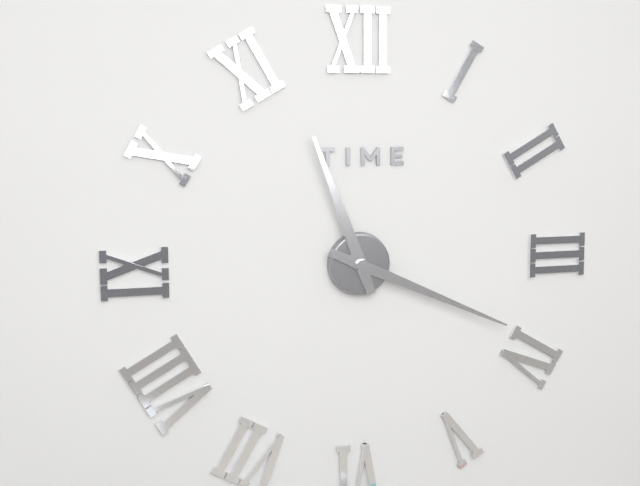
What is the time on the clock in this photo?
11:19
